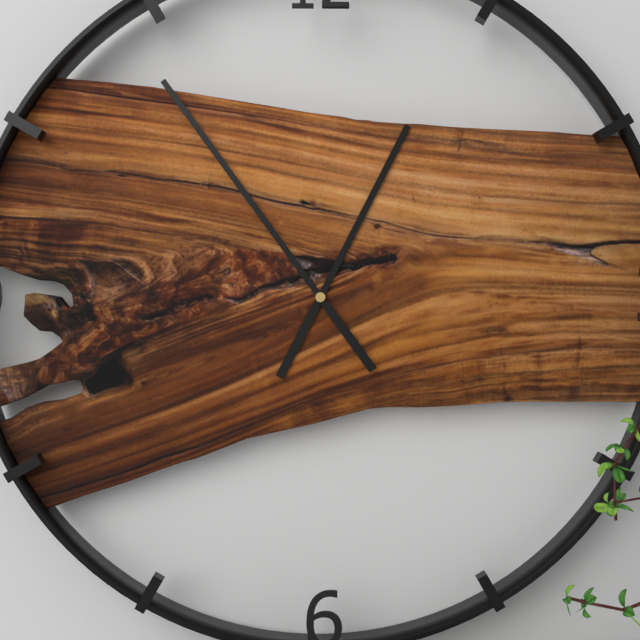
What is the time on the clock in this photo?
12:54
